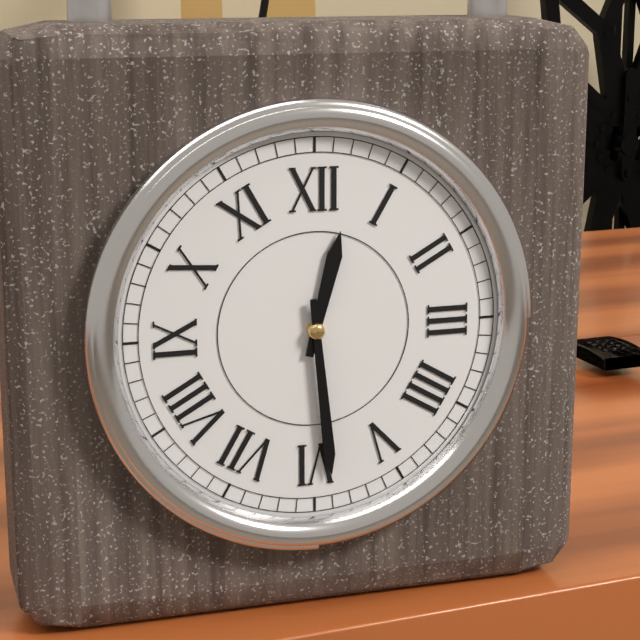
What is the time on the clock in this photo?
12:29
